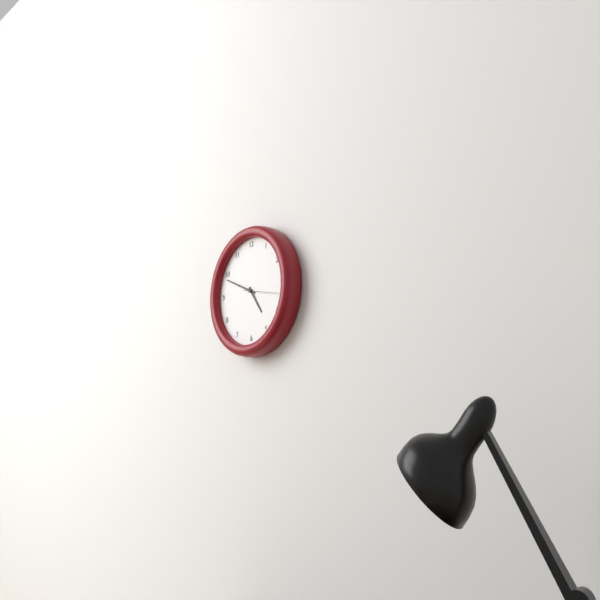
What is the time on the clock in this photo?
4:49
